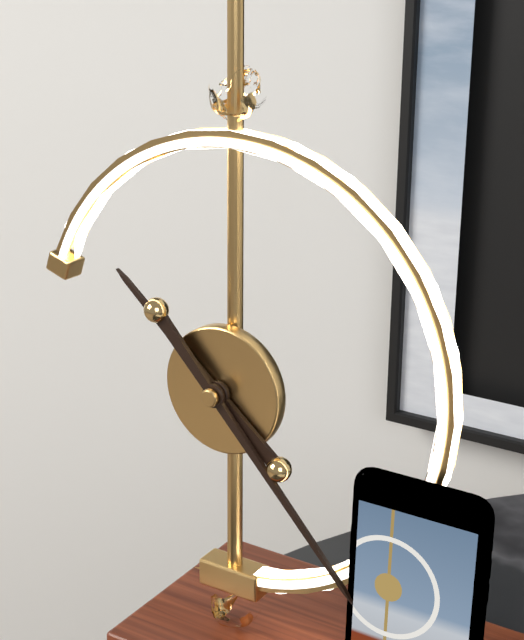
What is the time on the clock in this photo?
10:23
